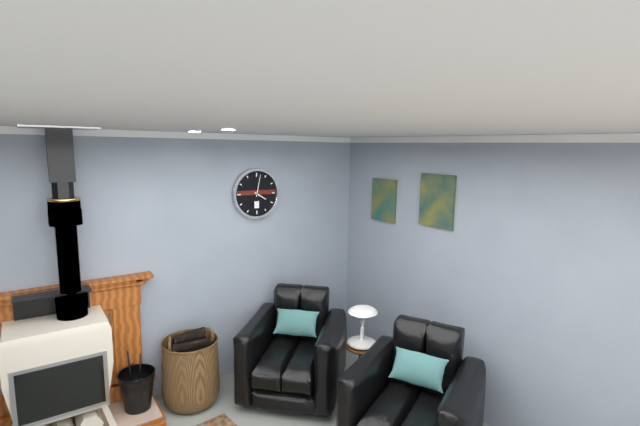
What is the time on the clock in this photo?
4:02
